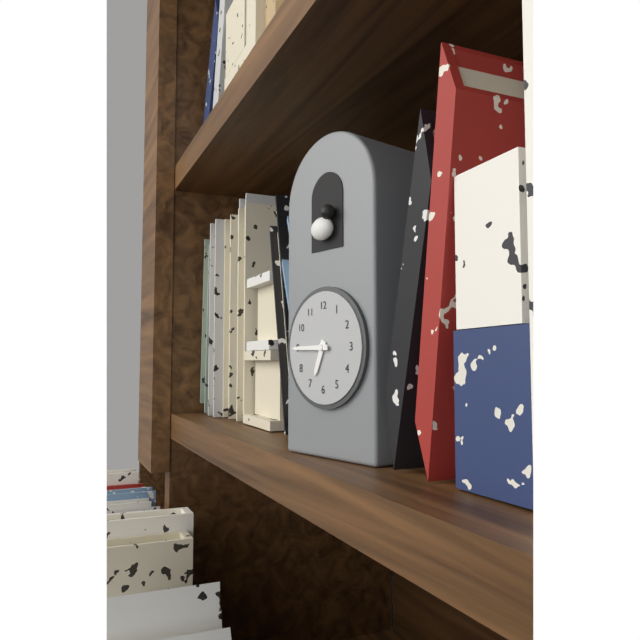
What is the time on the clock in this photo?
6:45
